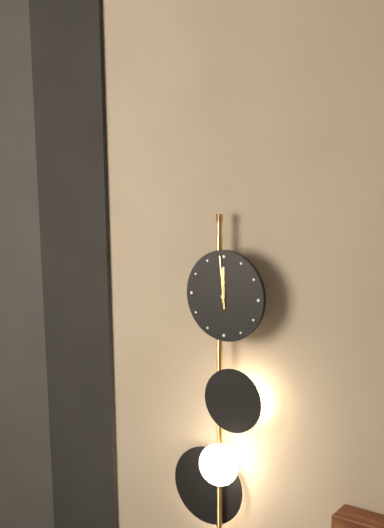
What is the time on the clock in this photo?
11:59
